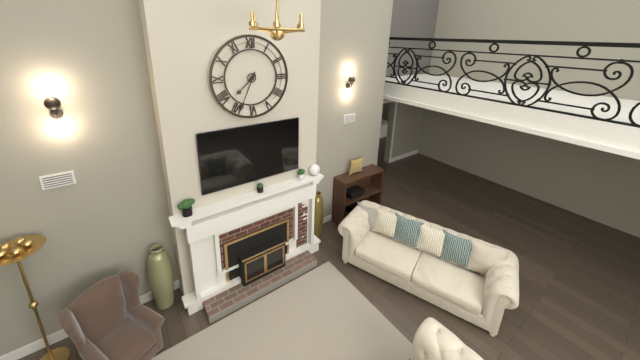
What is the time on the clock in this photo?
7:34
